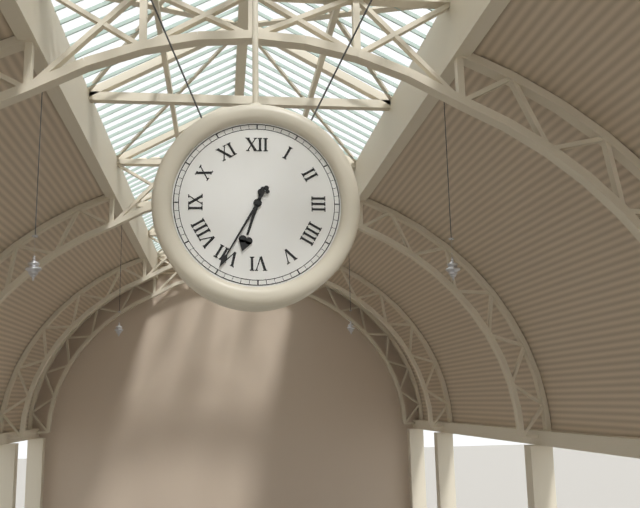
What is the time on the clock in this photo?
6:35
